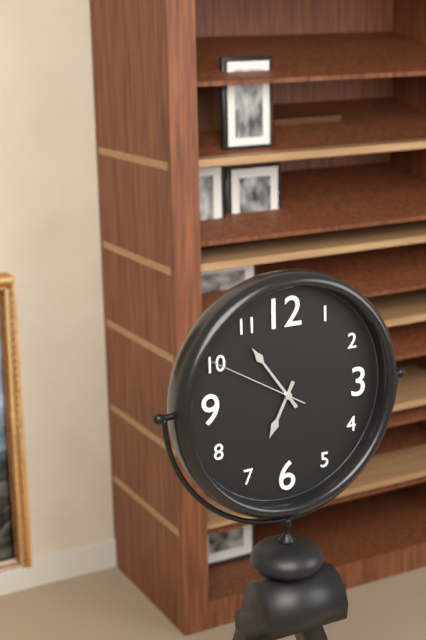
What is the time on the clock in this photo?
6:54:50
